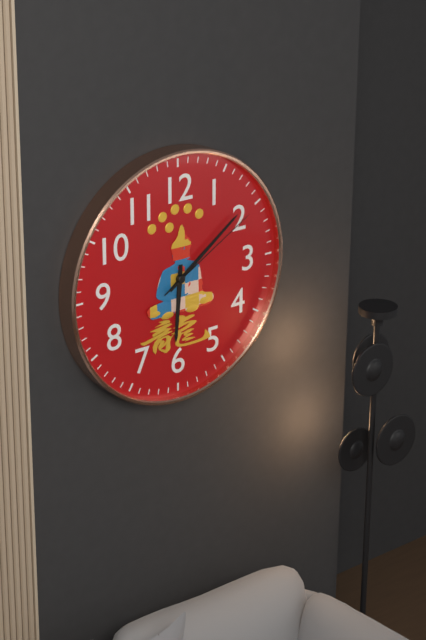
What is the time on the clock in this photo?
6:09:10
